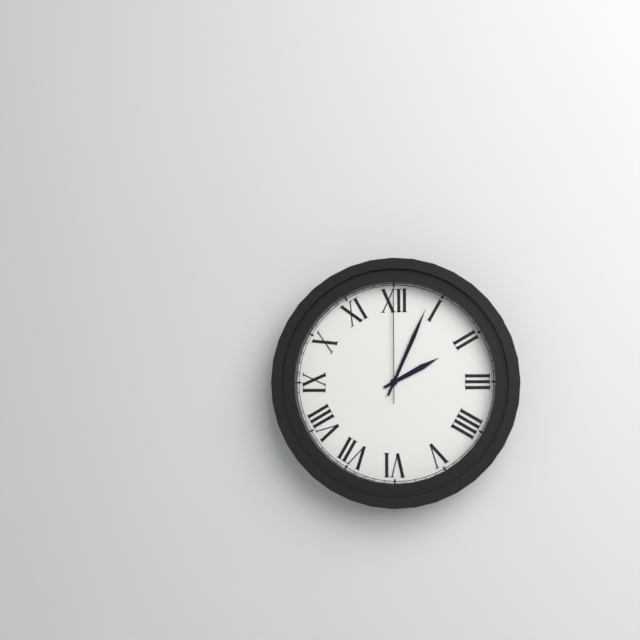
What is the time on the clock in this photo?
2:04:00
